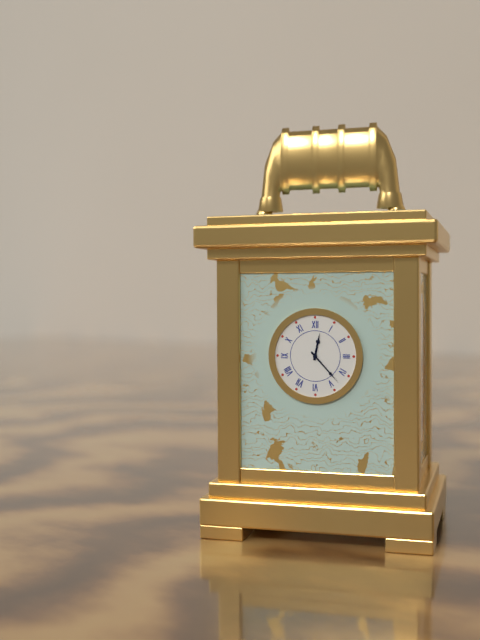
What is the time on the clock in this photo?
12:23
